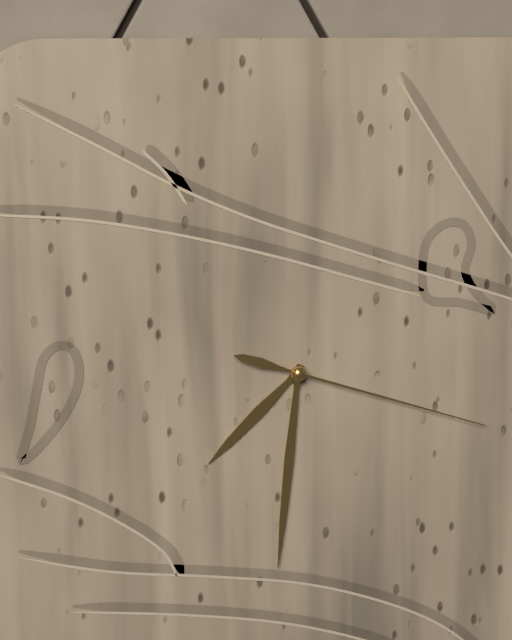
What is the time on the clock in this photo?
7:31:18
